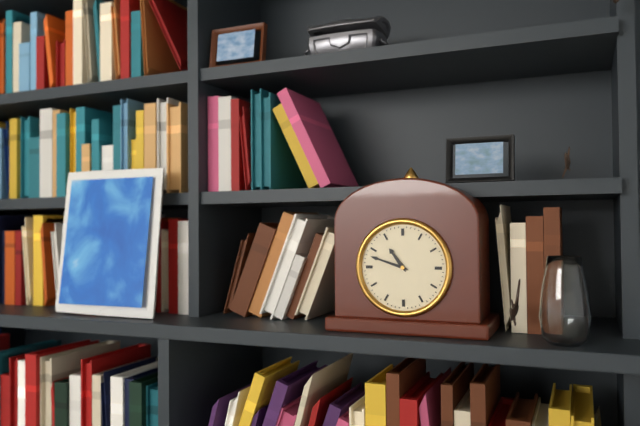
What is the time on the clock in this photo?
10:48
